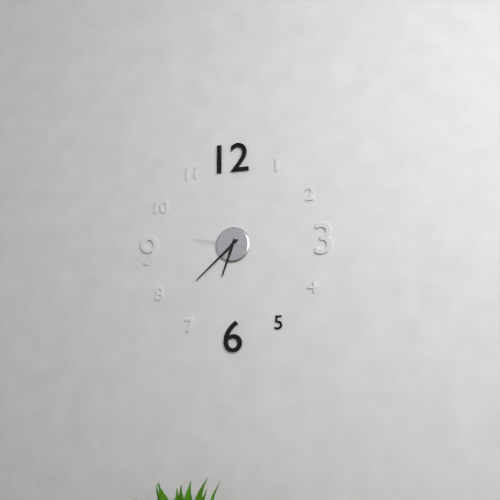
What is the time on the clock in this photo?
6:38:47
